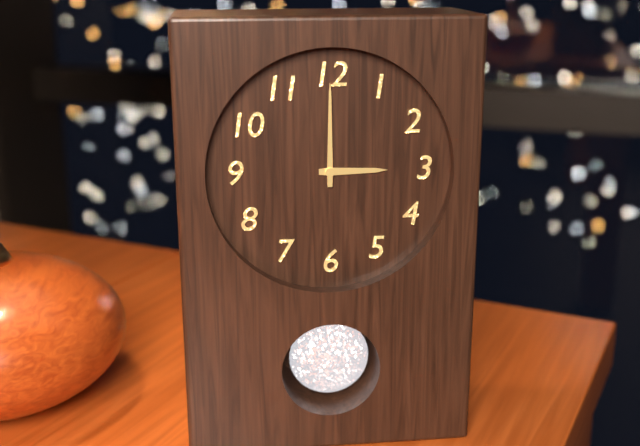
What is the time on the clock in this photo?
3:00
